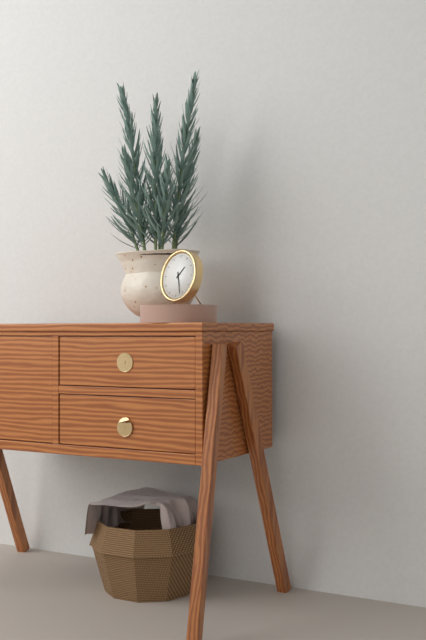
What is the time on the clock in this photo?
1:27
